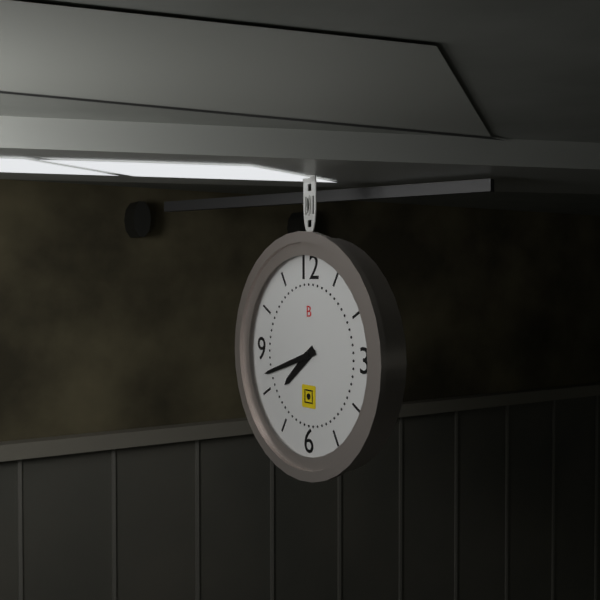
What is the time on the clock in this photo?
7:42
